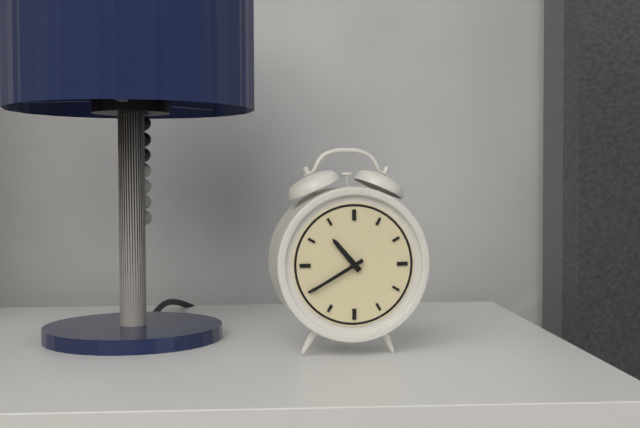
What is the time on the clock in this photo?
10:40
